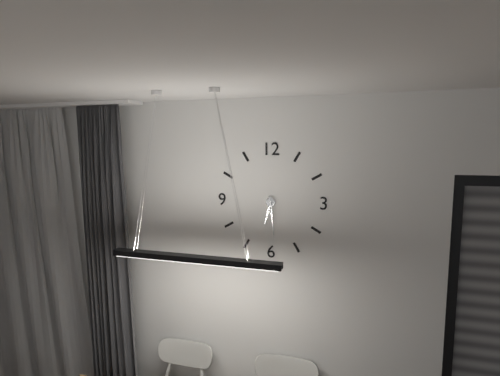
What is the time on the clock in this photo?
6:29
